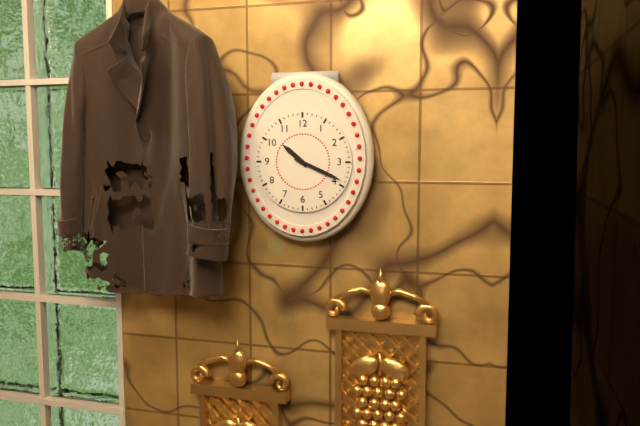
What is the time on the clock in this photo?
10:19
